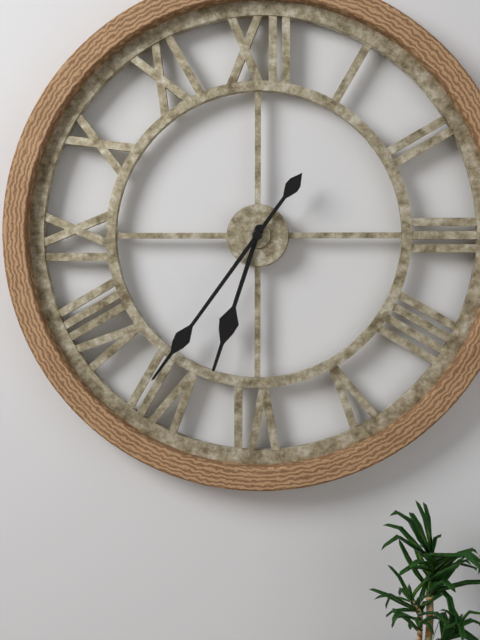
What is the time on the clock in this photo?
6:36
